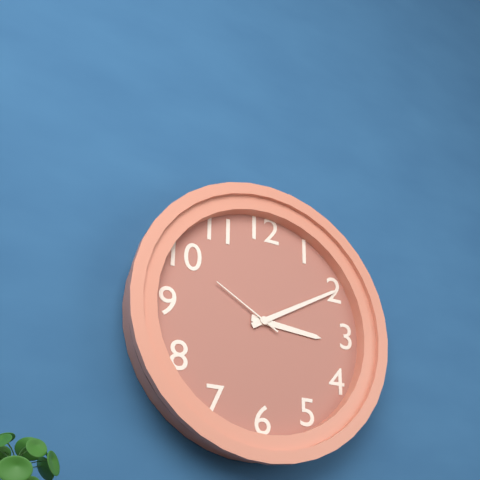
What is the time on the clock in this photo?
3:10:50
